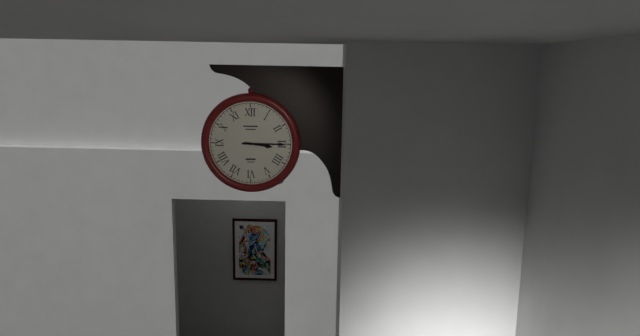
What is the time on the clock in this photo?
3:15
